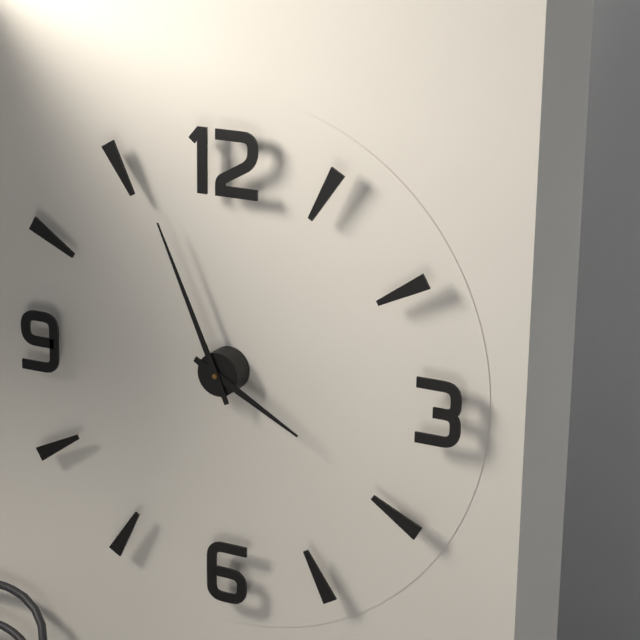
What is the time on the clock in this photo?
3:56
